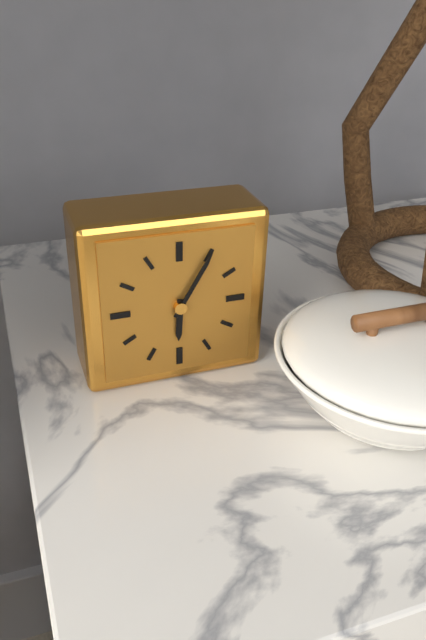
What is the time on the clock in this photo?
6:05
